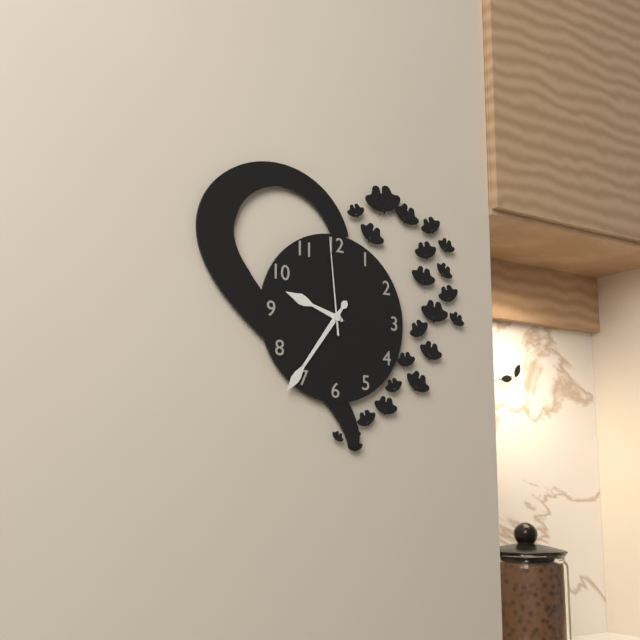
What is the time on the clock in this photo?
9:36:59
